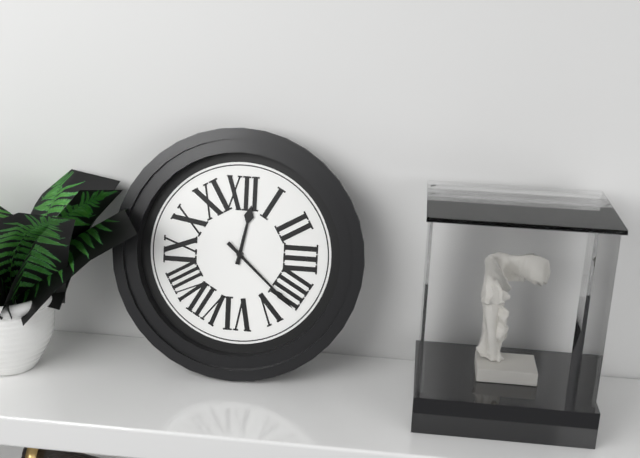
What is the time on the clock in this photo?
12:22
